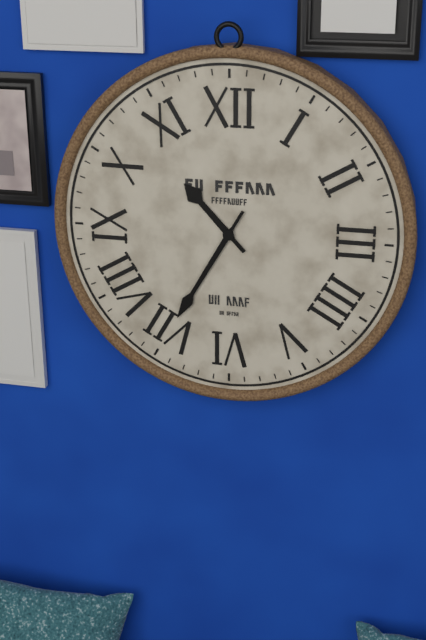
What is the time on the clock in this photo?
10:35
